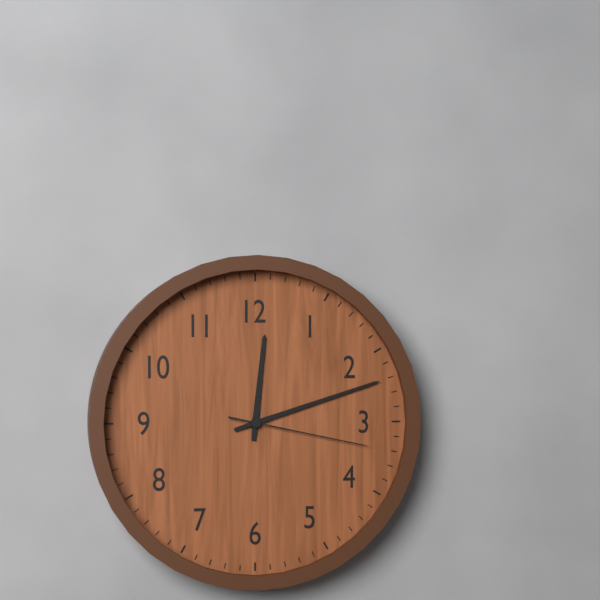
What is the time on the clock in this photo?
12:12:17
